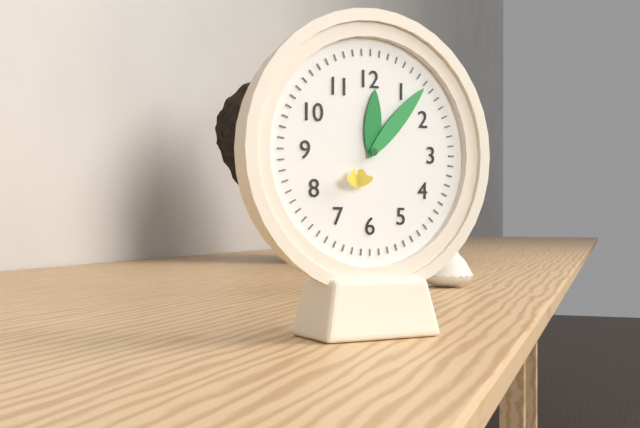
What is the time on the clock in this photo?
12:07
